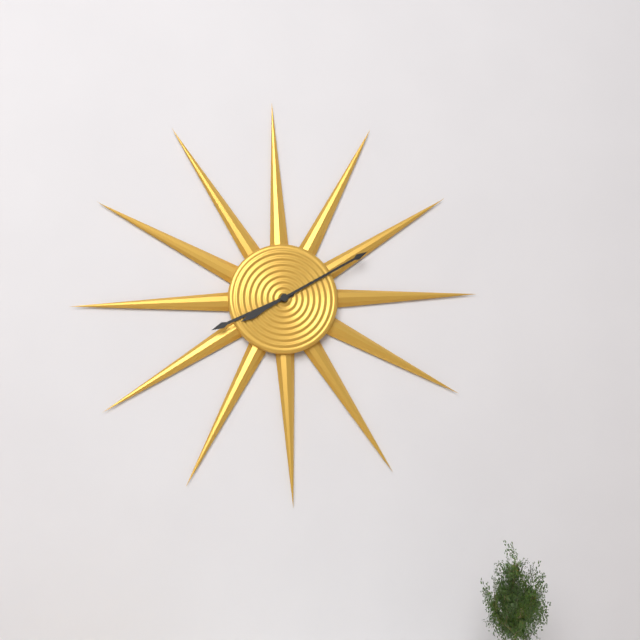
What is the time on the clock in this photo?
8:10
